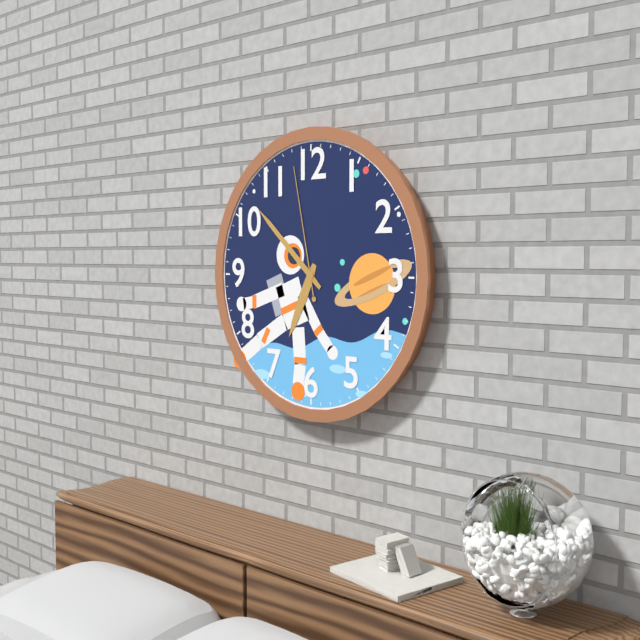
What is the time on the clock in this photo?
6:52:58
